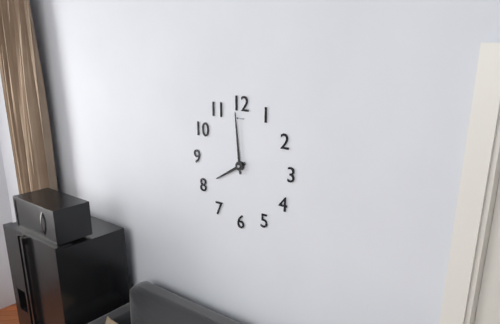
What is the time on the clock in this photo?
7:59
